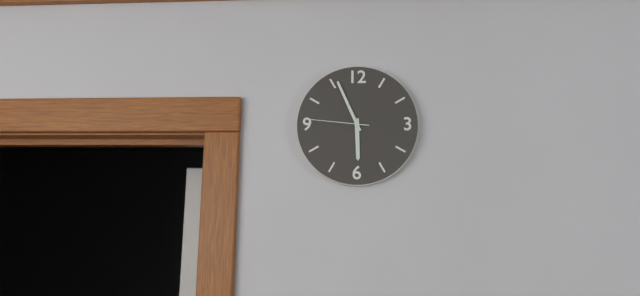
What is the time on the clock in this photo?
5:56:46
